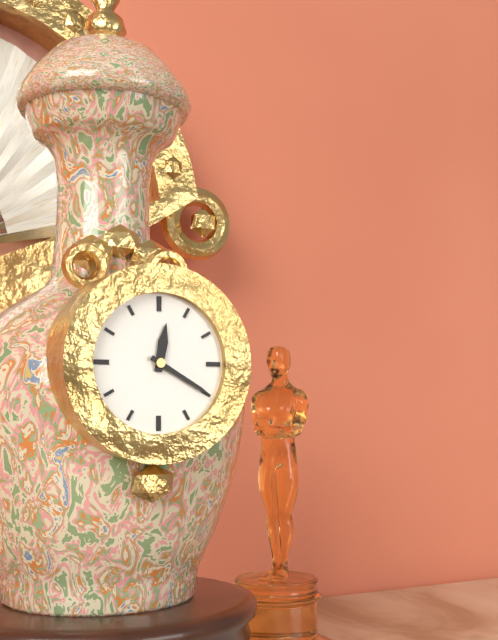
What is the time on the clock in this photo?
12:20
